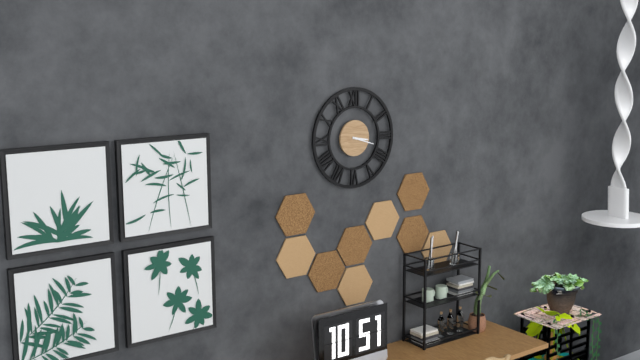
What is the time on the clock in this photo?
3:18
